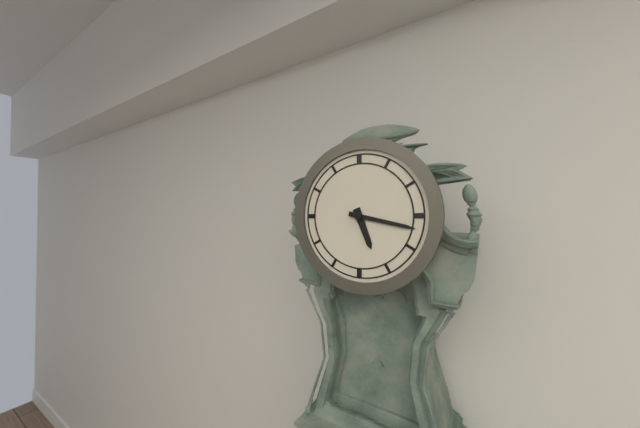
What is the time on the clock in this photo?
5:17
